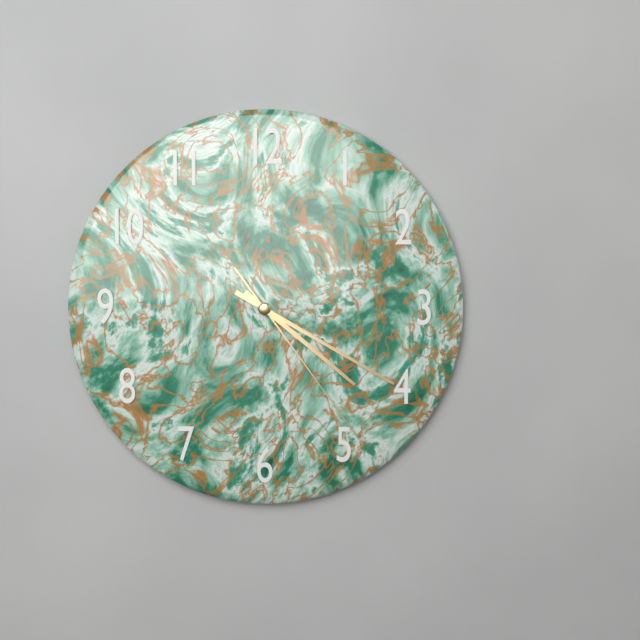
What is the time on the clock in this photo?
4:20:24
